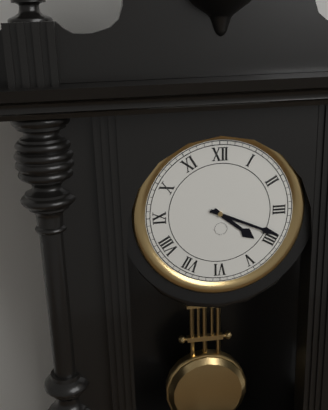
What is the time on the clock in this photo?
4:19
